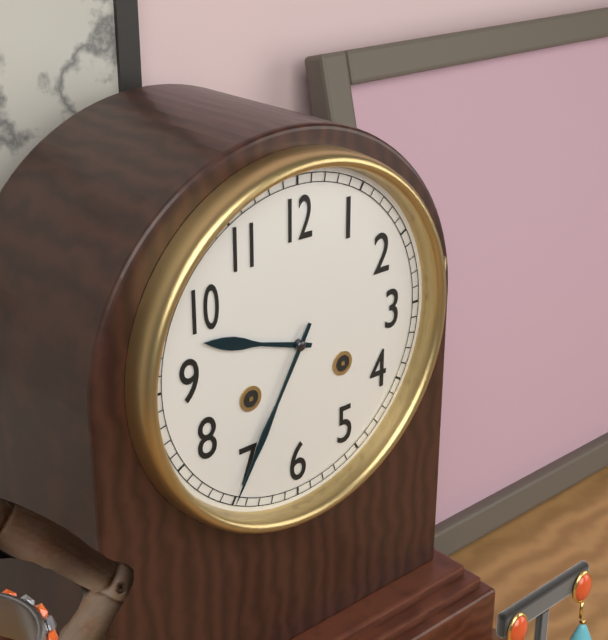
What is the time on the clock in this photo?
9:35
